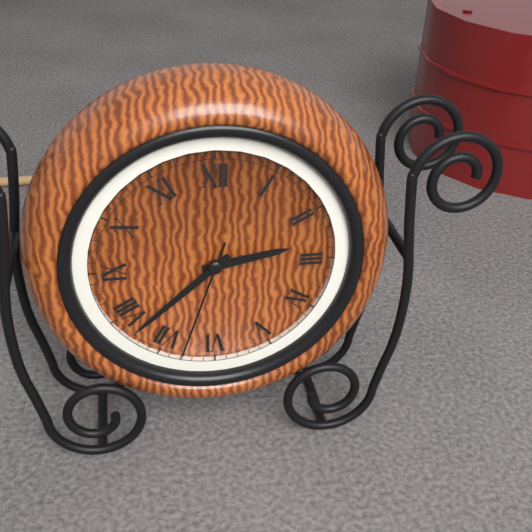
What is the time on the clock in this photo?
2:38:33
